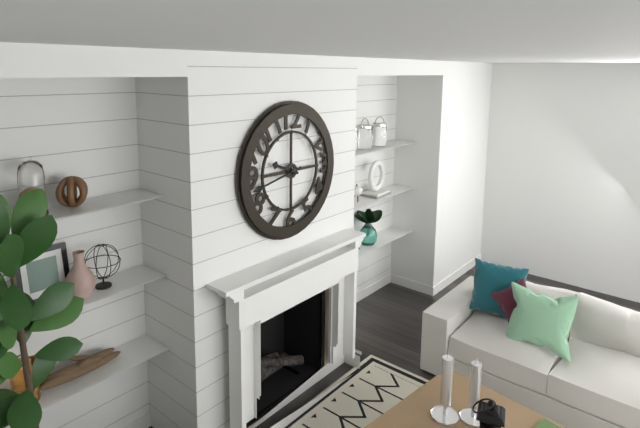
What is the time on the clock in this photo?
9:43
